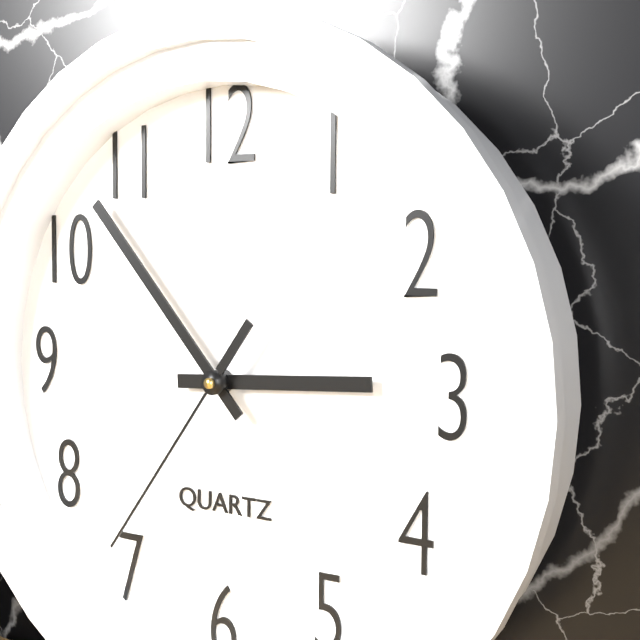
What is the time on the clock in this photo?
2:53:36
